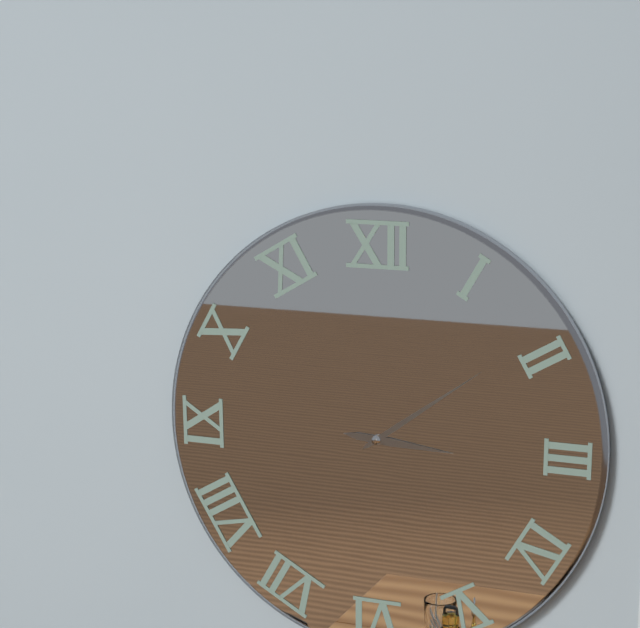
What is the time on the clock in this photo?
3:09
